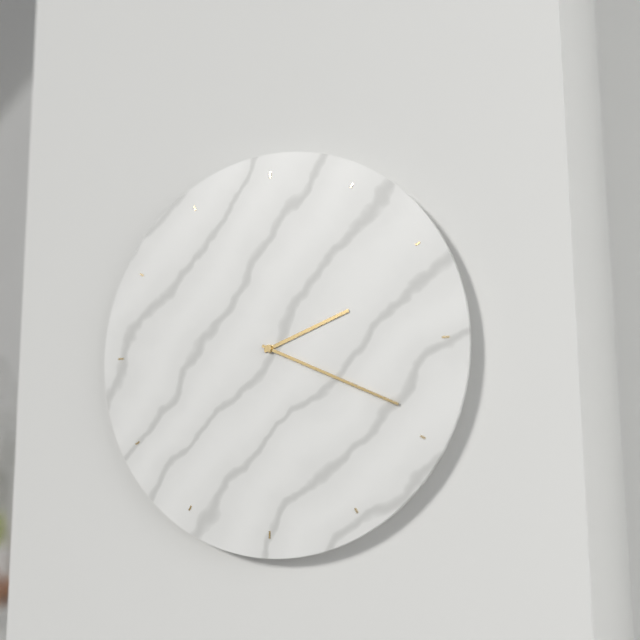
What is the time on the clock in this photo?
2:19
